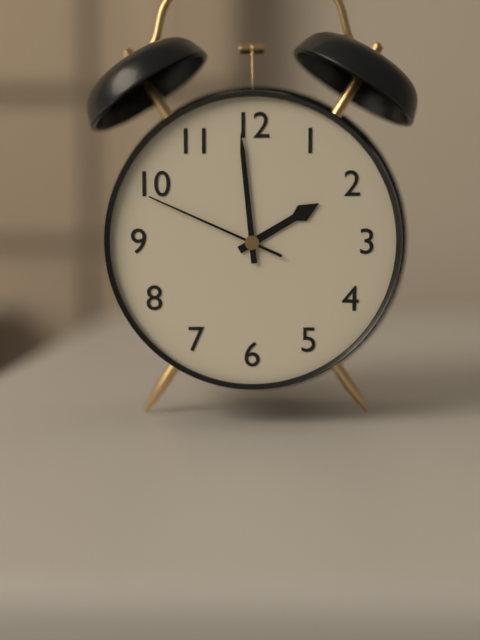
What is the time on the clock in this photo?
1:59:49
